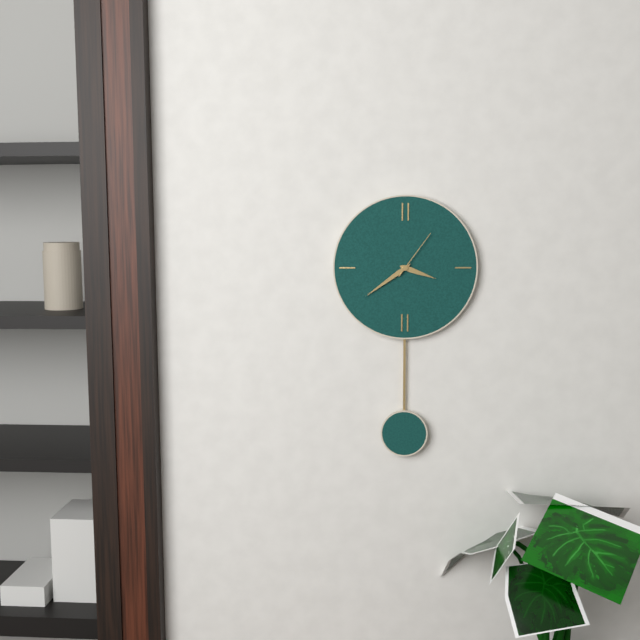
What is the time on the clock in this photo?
3:39:06
